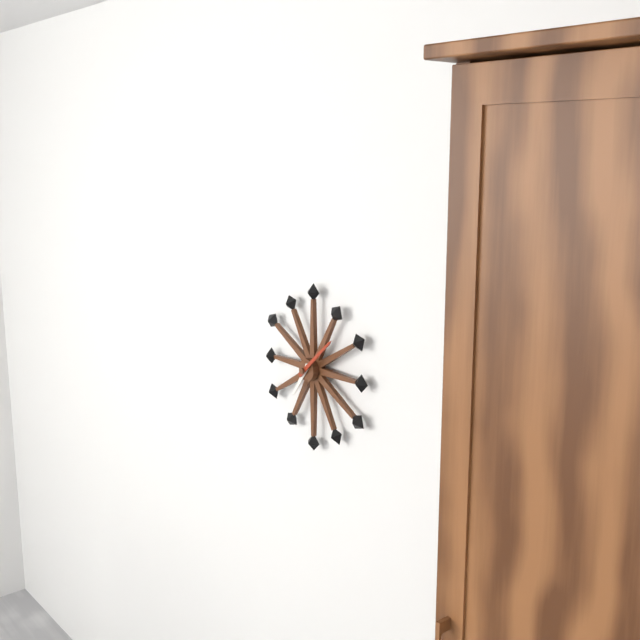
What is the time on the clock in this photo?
7:08
